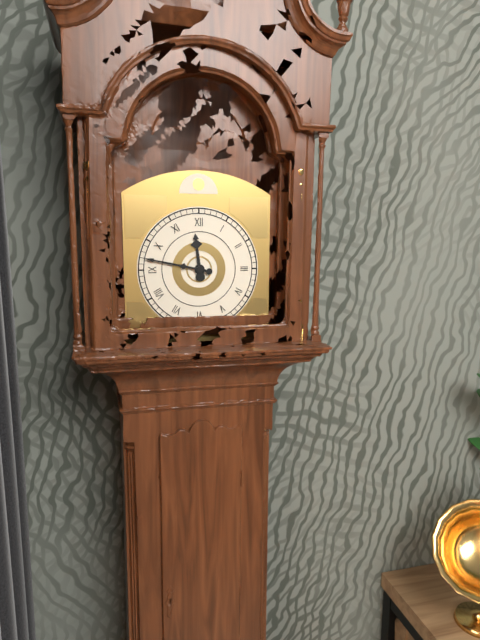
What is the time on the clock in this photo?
11:47
